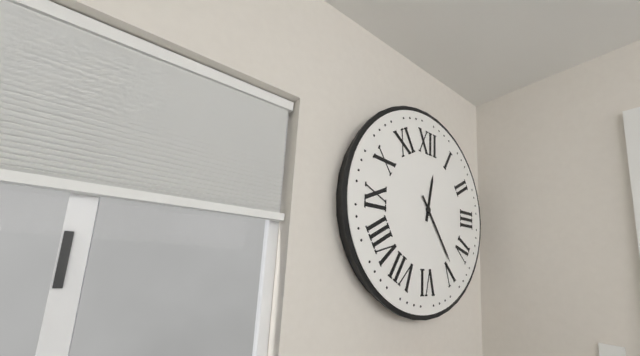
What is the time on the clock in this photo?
12:24
